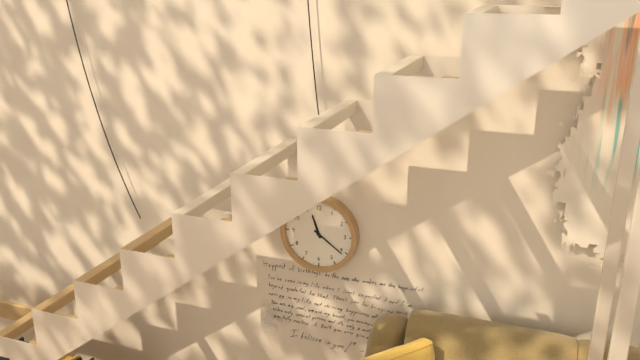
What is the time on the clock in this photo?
11:21
